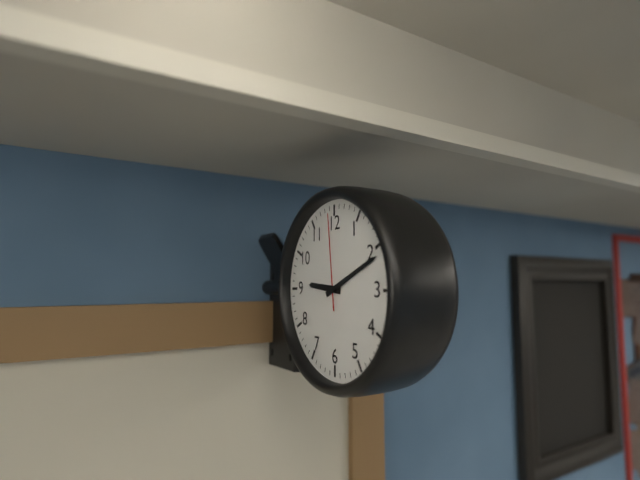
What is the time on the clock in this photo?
9:11:59
